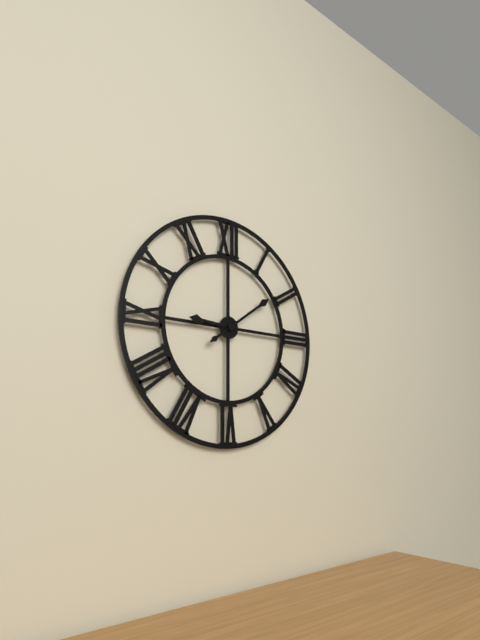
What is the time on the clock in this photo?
9:09
